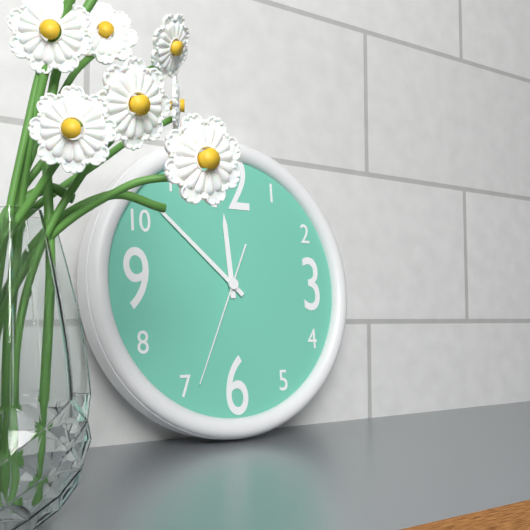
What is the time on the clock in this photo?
11:52:34
